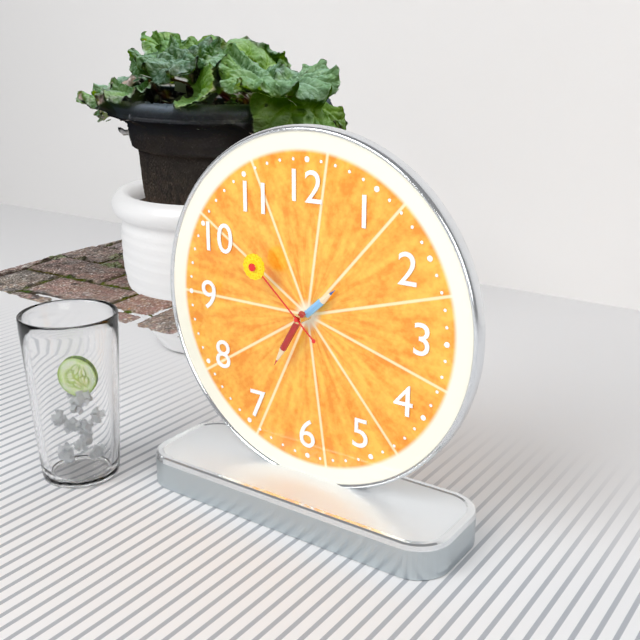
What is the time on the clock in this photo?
1:35:52
